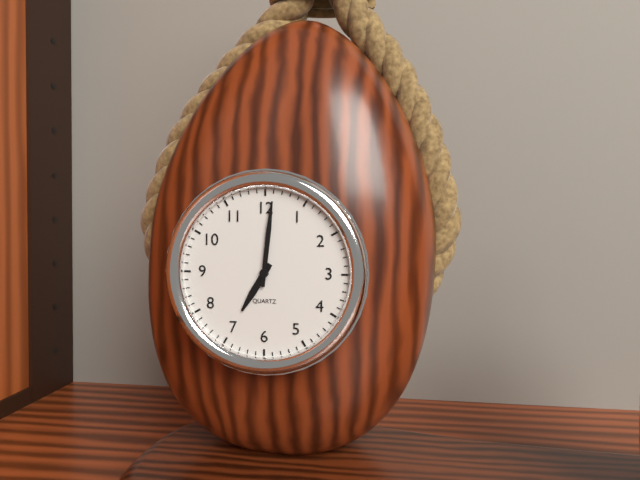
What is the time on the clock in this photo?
7:01
